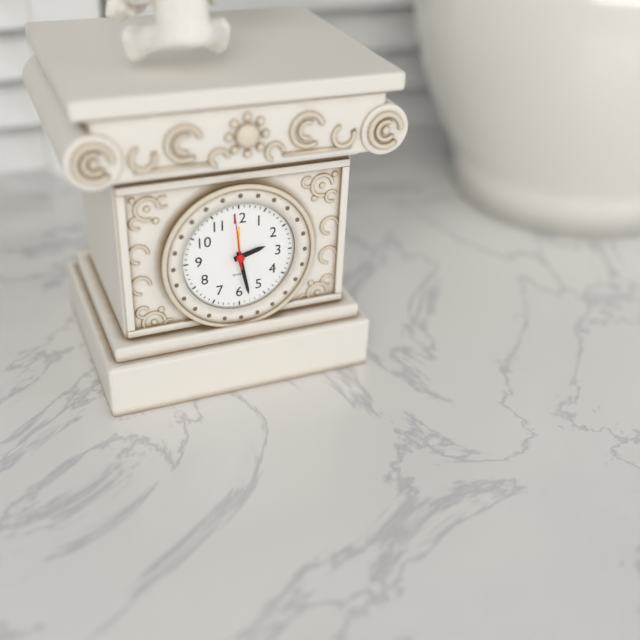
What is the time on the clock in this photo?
2:28:59
